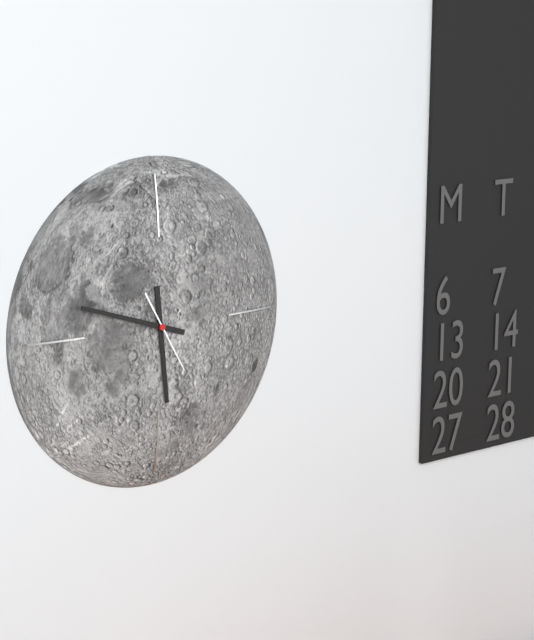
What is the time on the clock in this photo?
5:48:25
